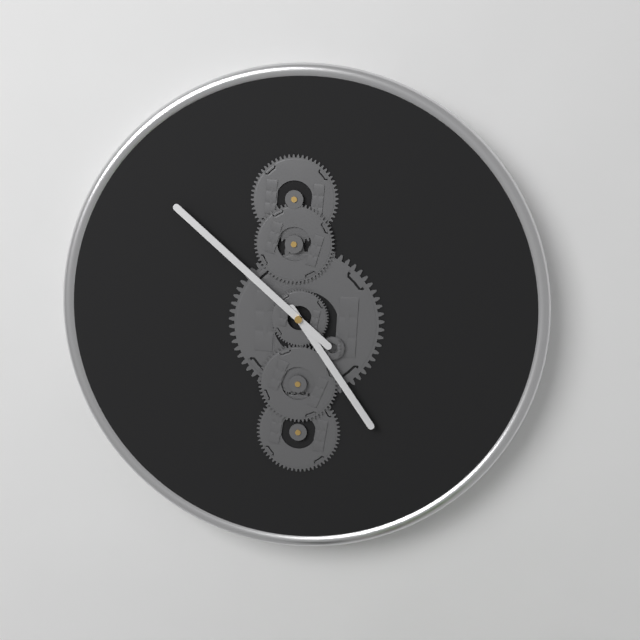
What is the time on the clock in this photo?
4:52
